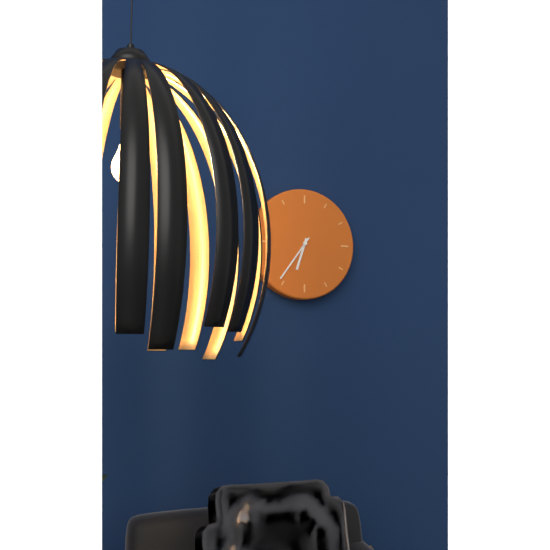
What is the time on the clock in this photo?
6:36
